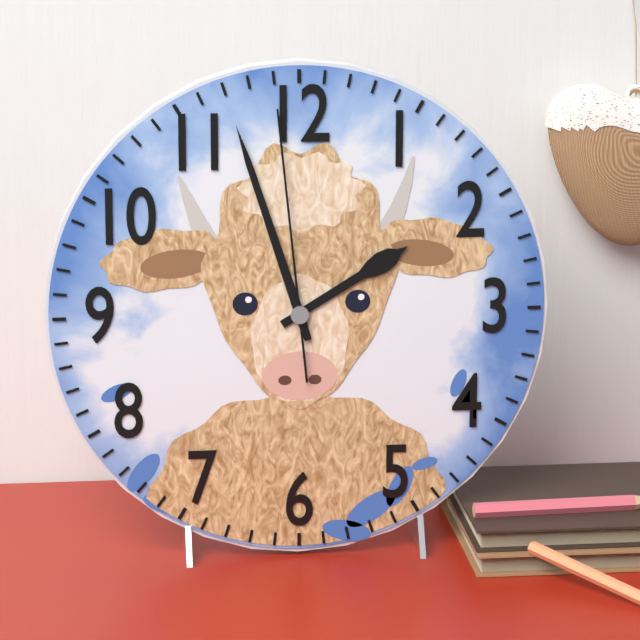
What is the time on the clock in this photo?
1:57:59
